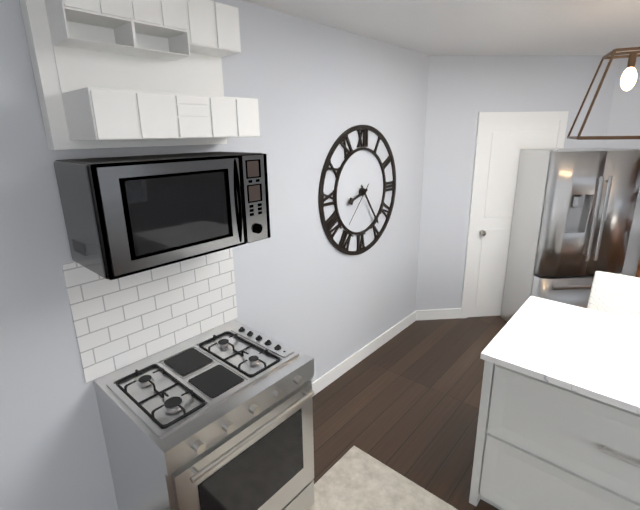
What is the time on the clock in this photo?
8:24
